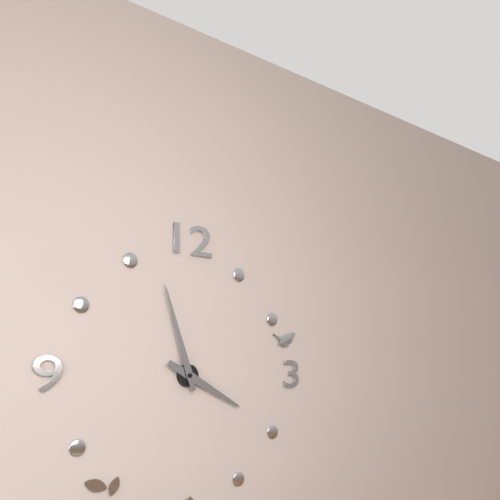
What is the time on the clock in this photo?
3:57
